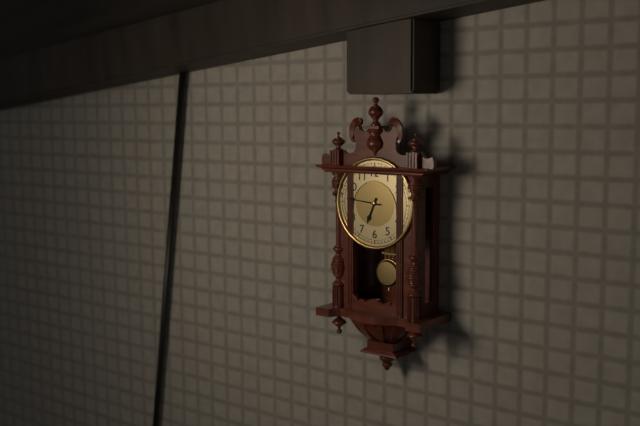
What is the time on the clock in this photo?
6:46
